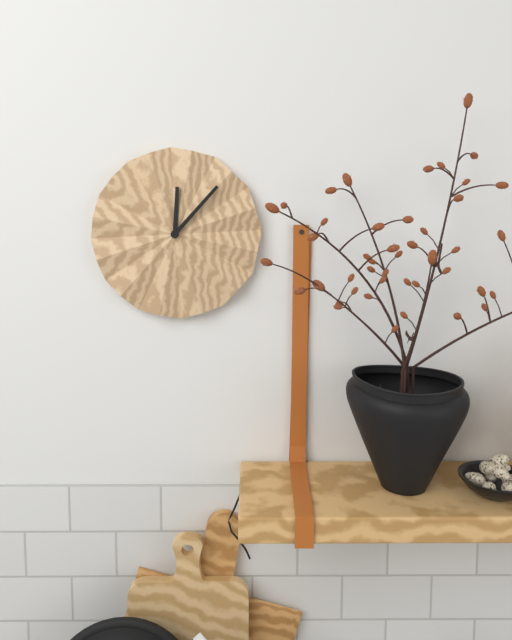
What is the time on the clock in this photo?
12:07
